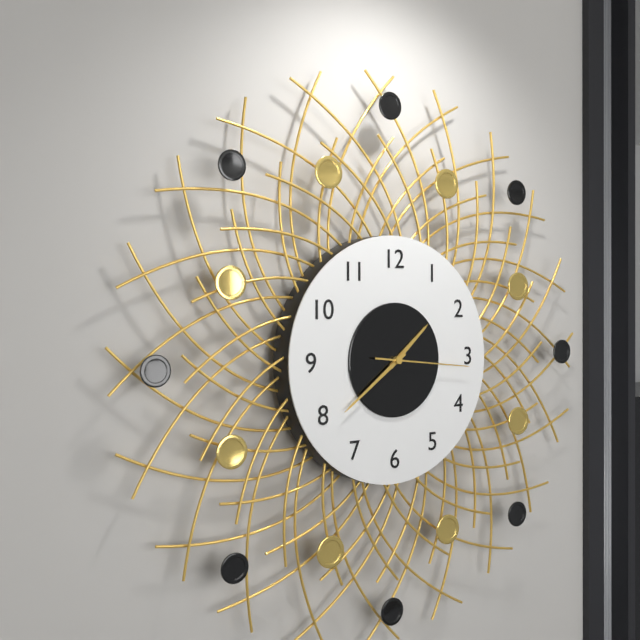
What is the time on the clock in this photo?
1:39:16
